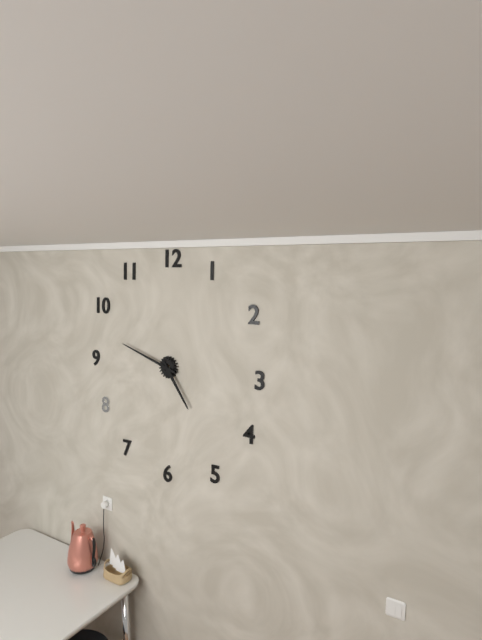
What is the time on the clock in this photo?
4:48
